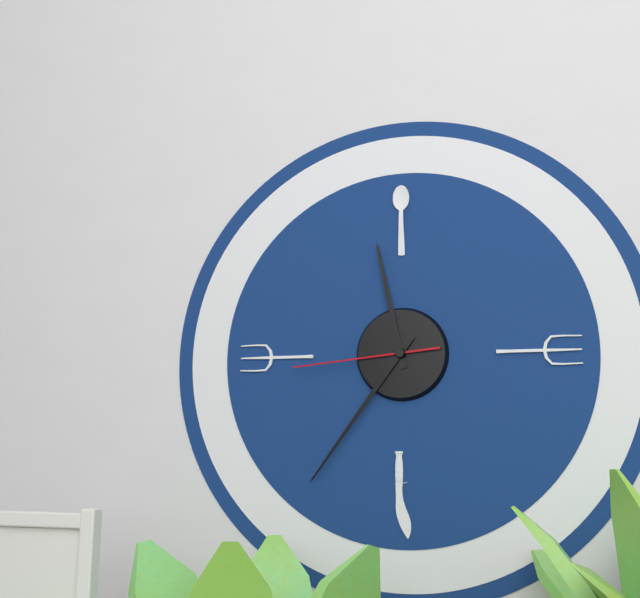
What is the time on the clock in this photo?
11:36:44
